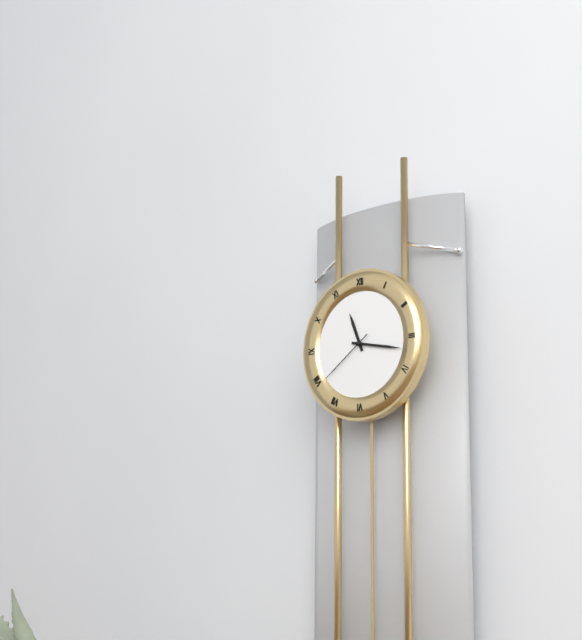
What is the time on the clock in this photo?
11:17:39
